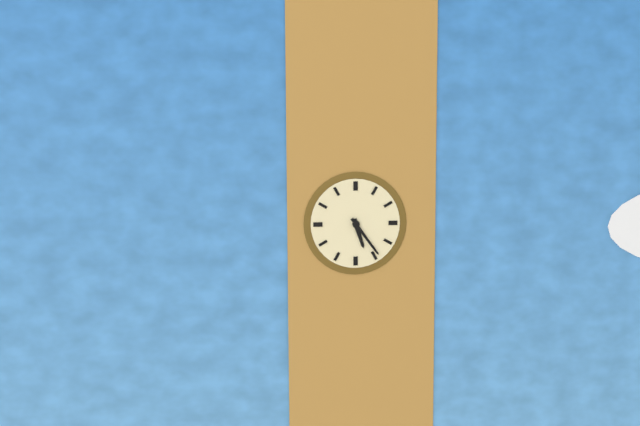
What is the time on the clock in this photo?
5:24
